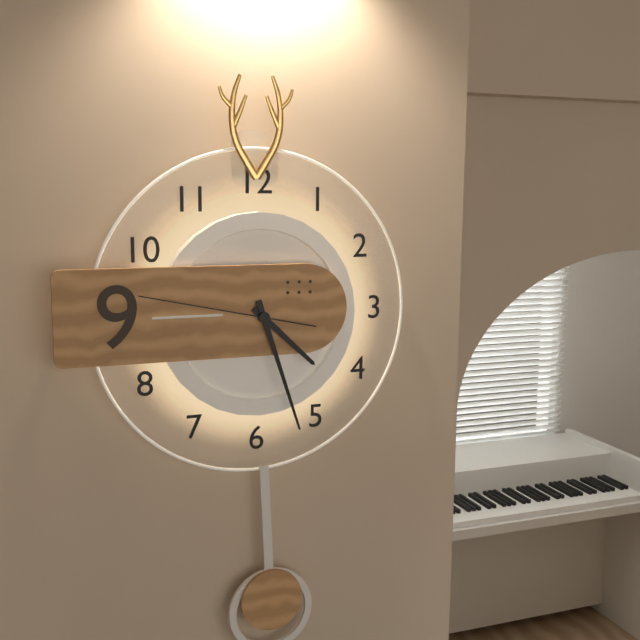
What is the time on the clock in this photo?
4:27:47
